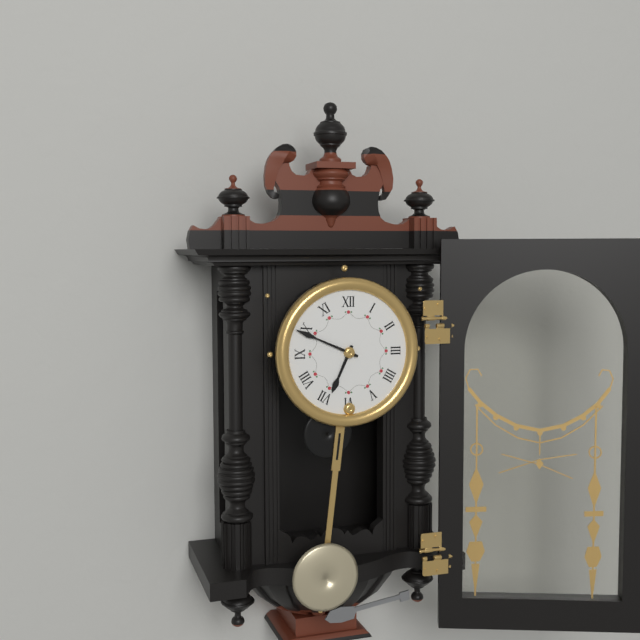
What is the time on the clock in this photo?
6:49
